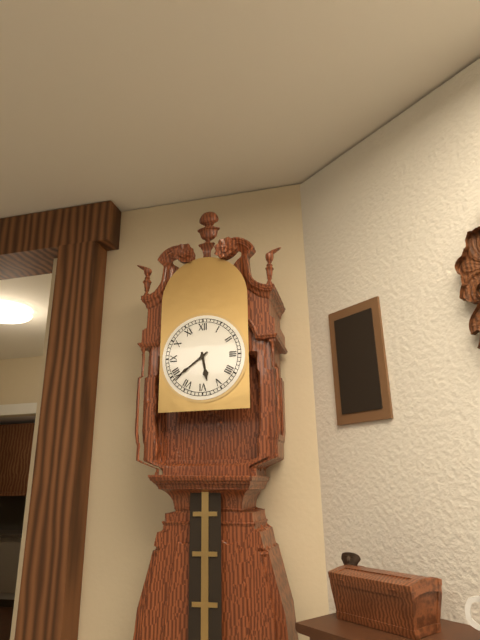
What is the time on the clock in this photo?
5:39
